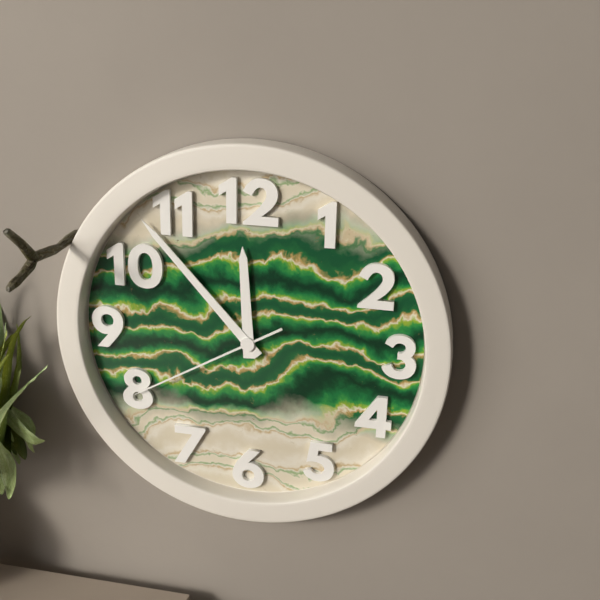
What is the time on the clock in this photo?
11:53:40
